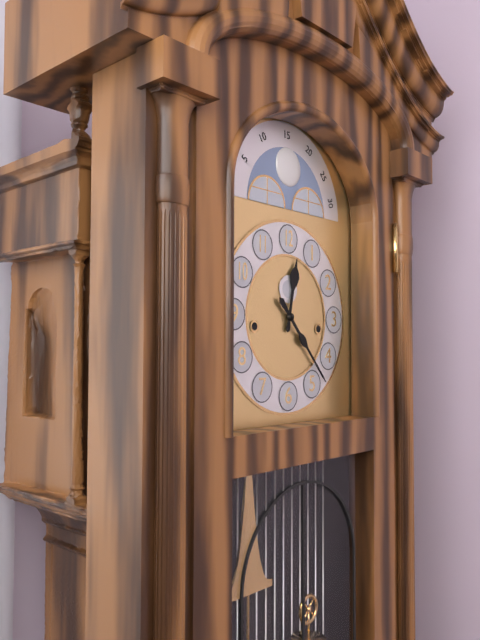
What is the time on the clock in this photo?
12:23
